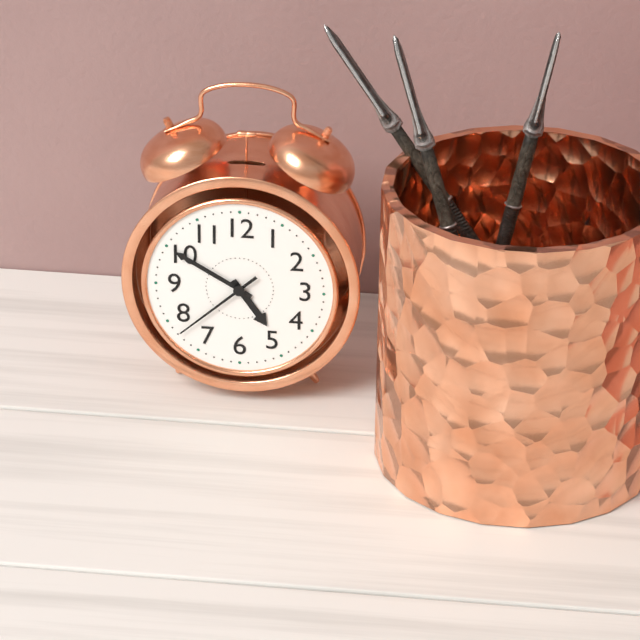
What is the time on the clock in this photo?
4:50:38
